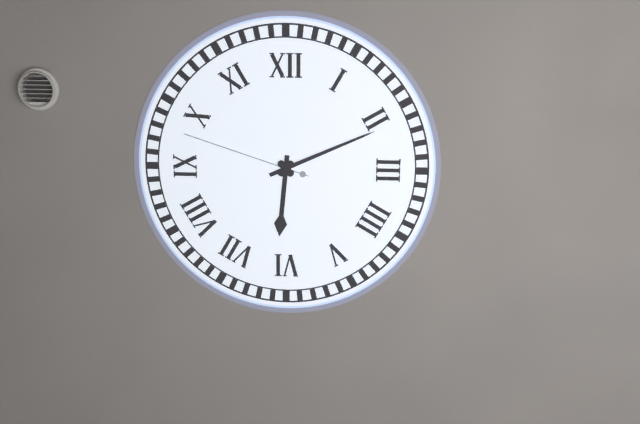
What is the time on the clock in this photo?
6:11:48
